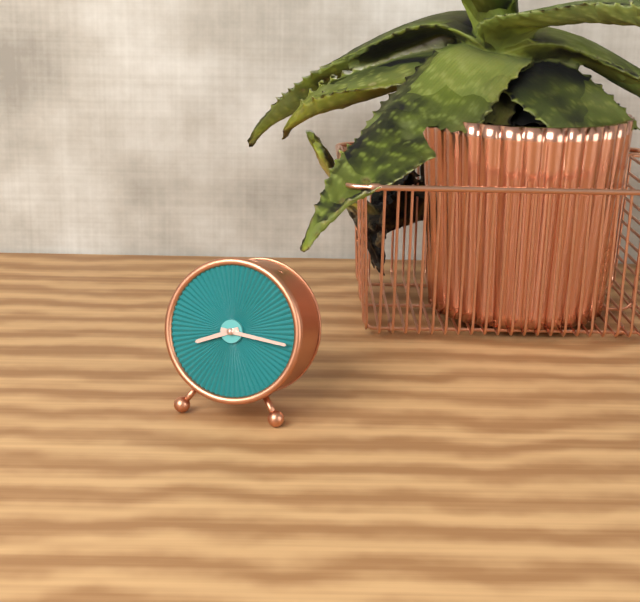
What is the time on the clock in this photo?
8:16
